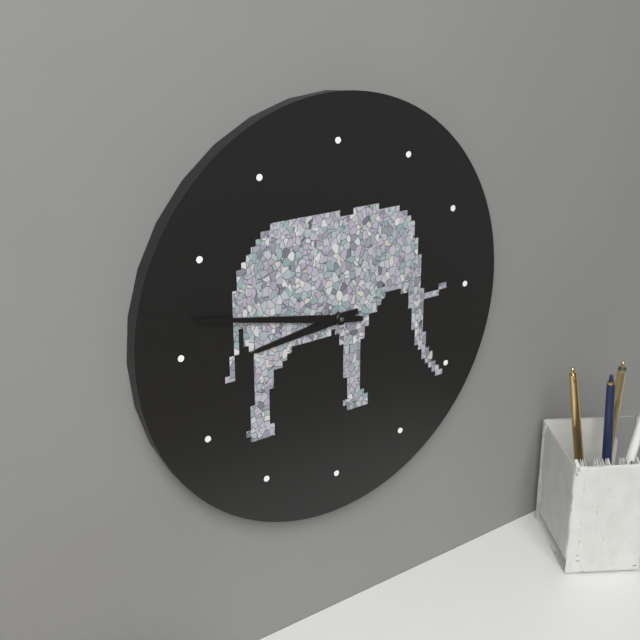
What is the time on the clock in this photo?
8:47
